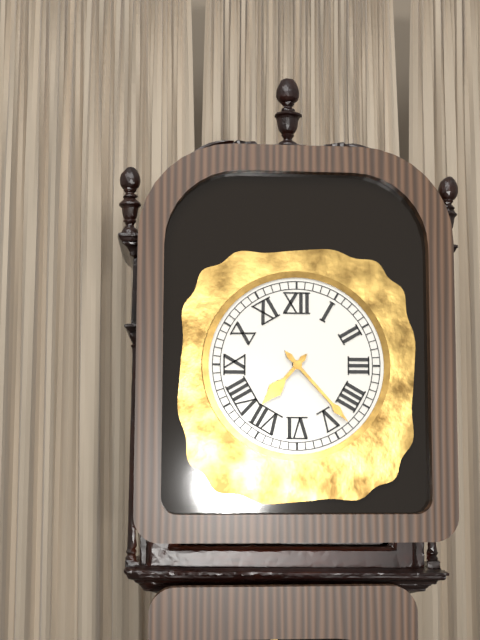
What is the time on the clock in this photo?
7:23
